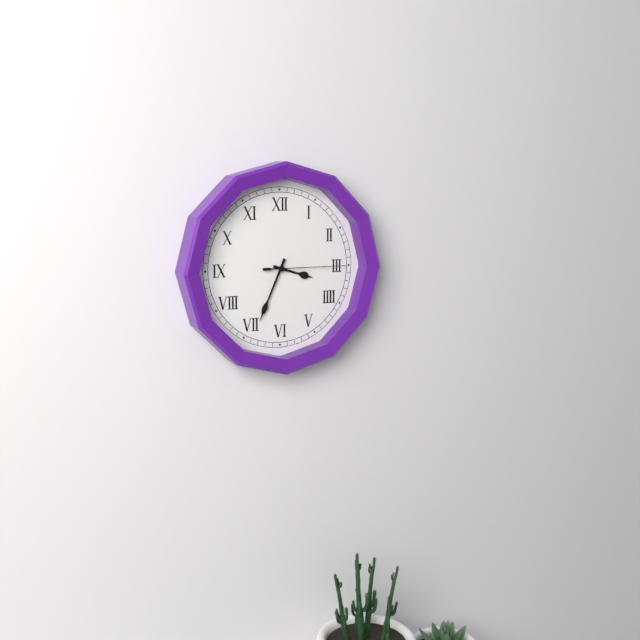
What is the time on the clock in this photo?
3:34:15
